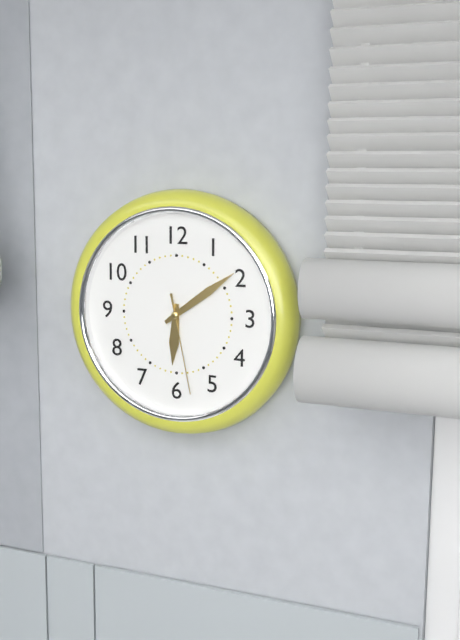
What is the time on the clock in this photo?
6:09:28
